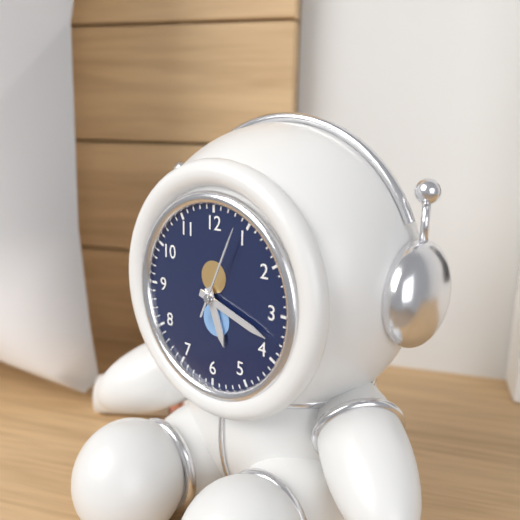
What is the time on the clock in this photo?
5:18:04
